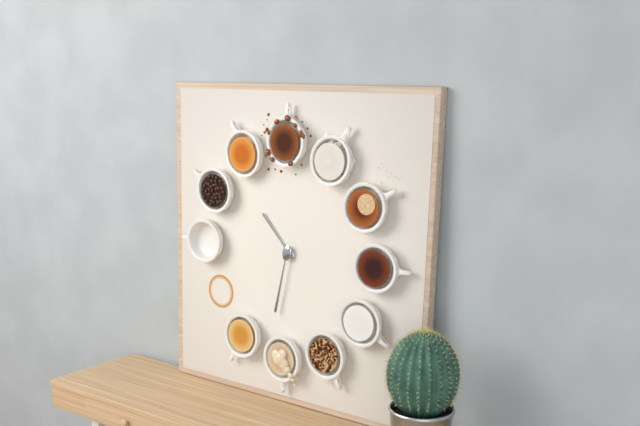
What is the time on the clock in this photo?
10:32
